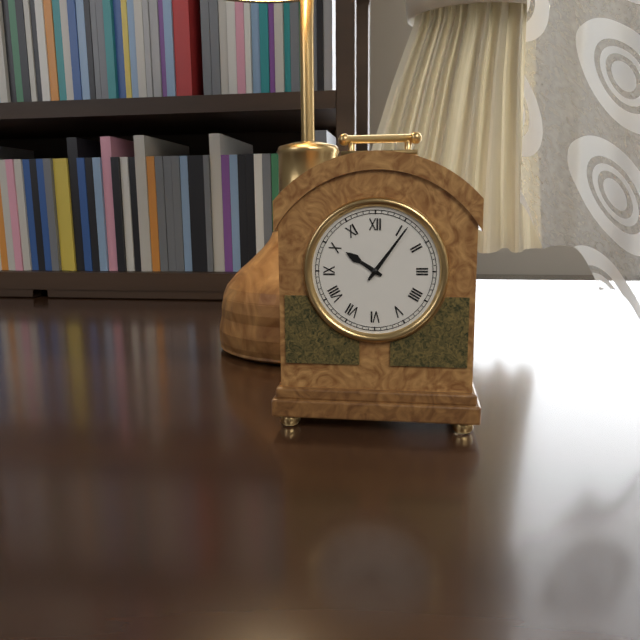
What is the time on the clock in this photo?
10:06
